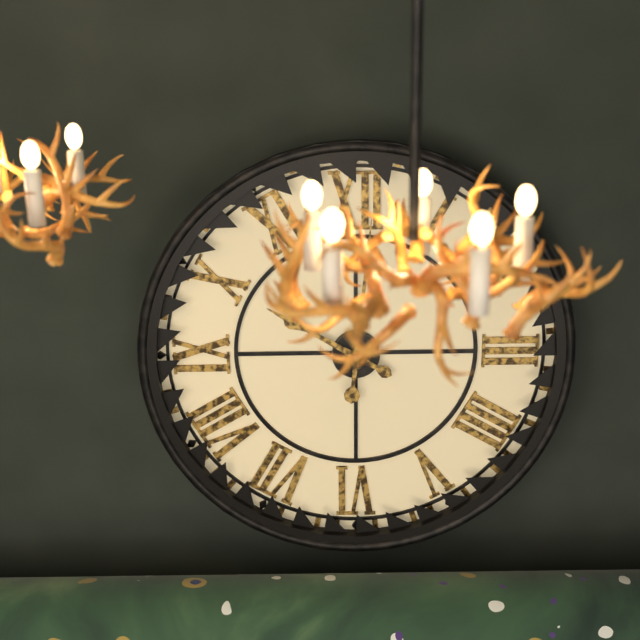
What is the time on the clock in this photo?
10:01
